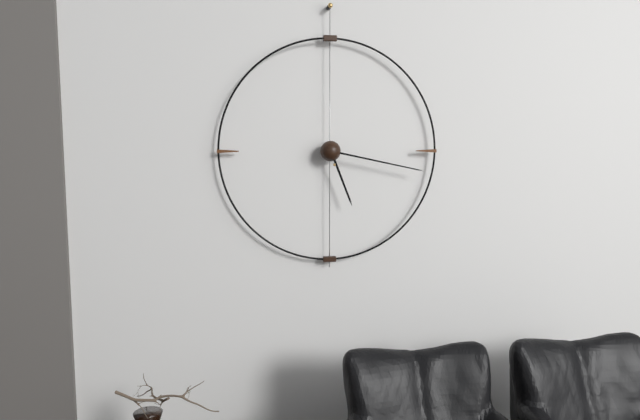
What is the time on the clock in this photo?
5:17
